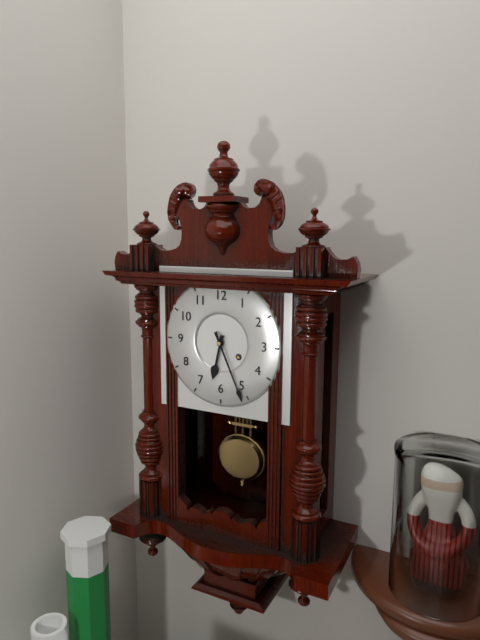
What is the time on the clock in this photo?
6:26
